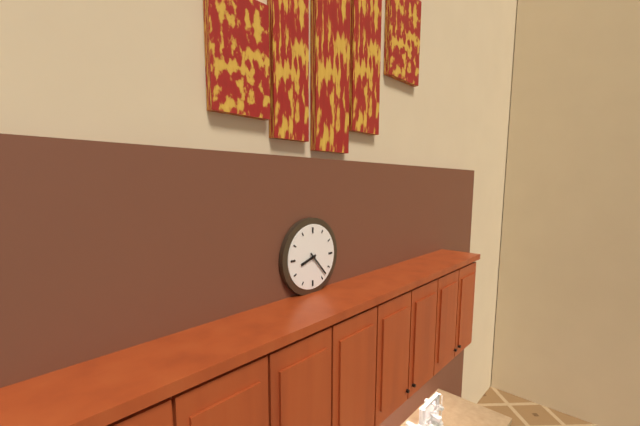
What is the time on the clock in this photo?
8:23
